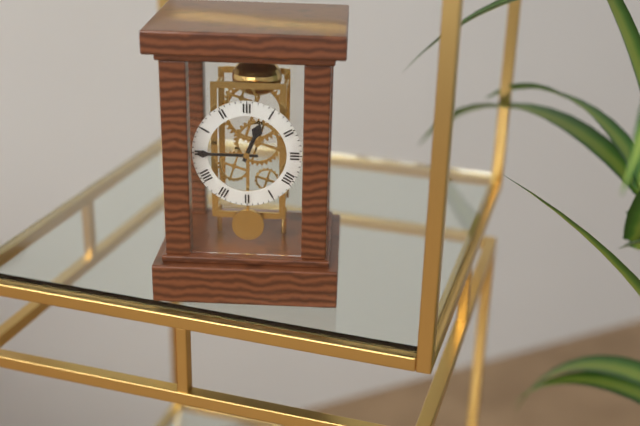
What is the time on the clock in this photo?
12:45
